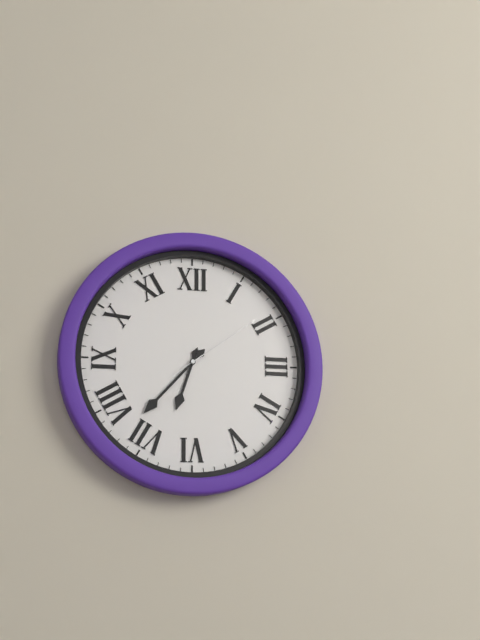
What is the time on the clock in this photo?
6:37:09
